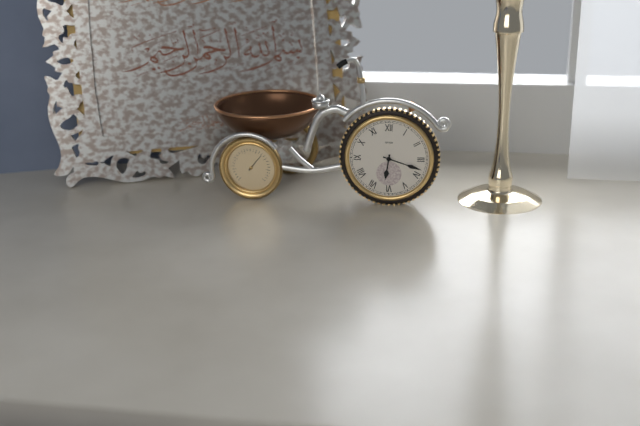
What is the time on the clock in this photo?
6:18
